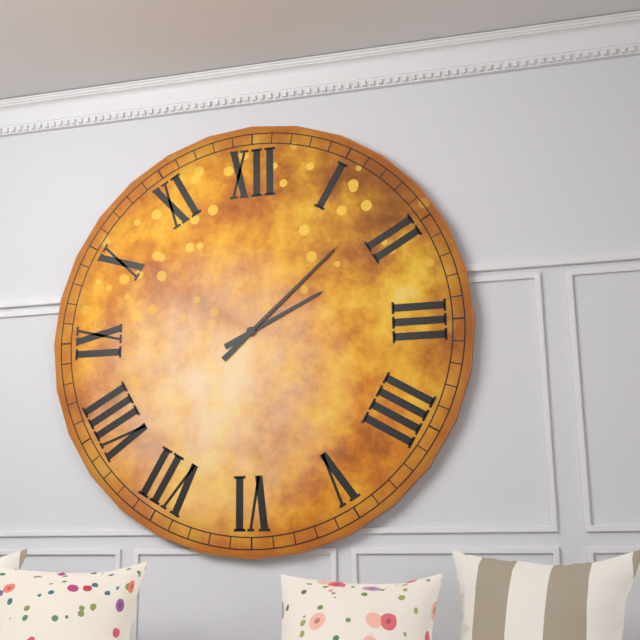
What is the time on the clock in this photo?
2:08
